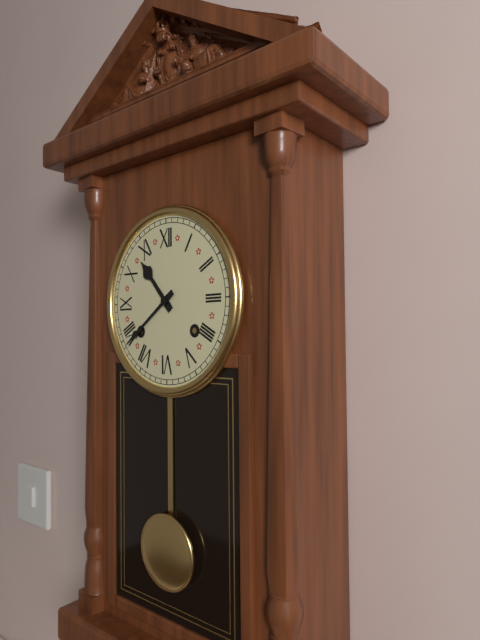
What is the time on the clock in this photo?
10:39
